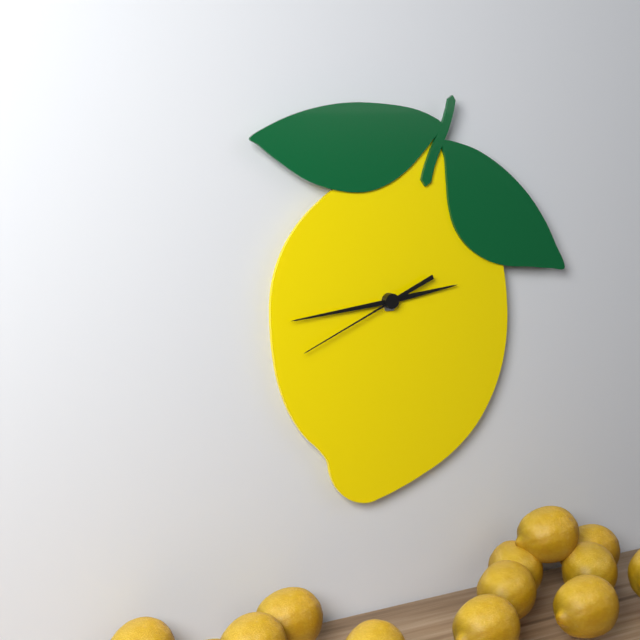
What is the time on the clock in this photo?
2:44:41
